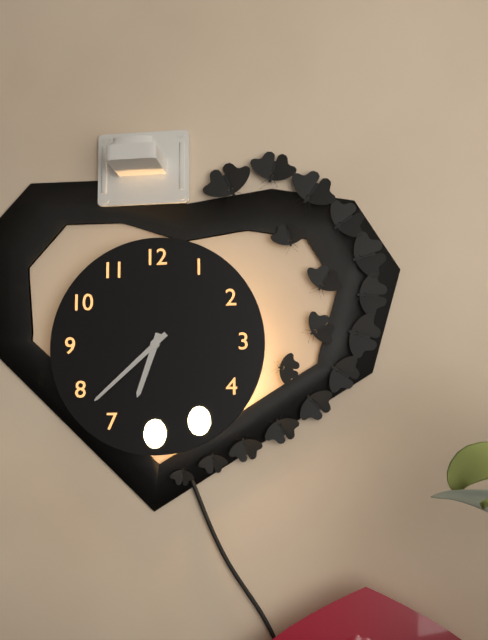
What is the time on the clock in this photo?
6:38
